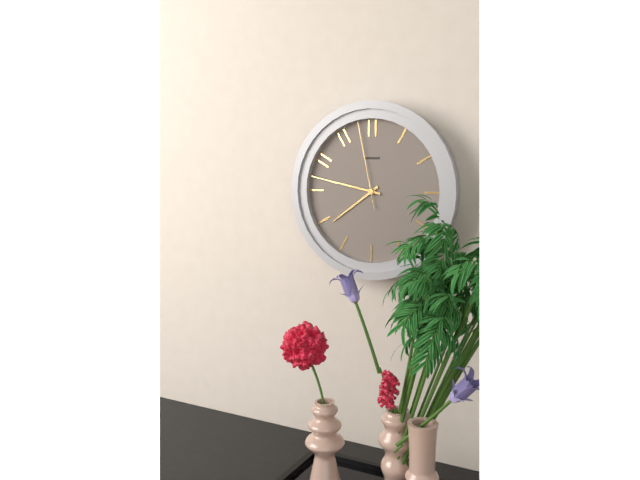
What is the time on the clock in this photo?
7:47:58
